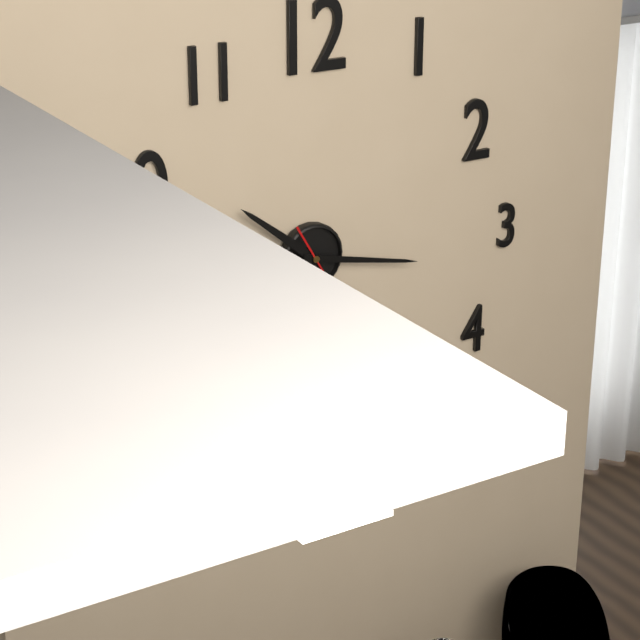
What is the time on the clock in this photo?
10:17
